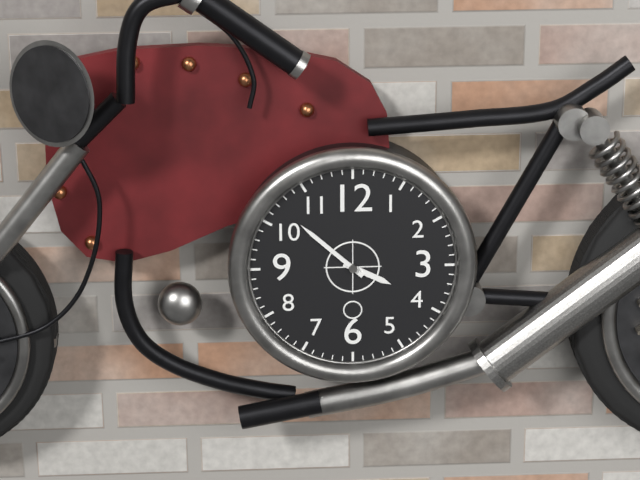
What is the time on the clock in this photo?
3:52
